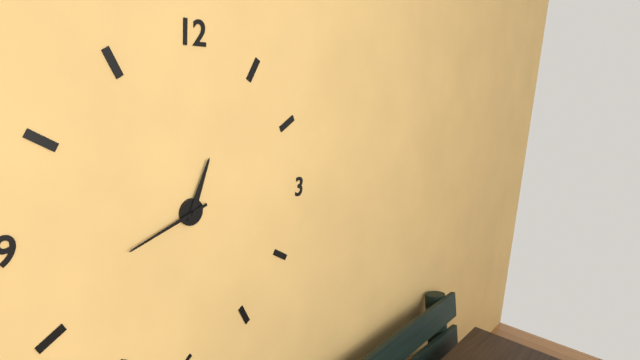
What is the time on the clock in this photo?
12:42
